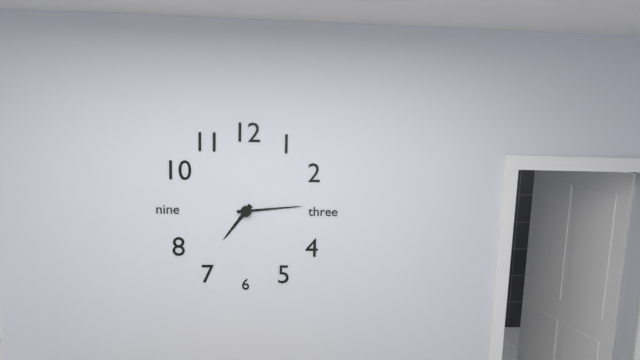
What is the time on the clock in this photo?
7:14
